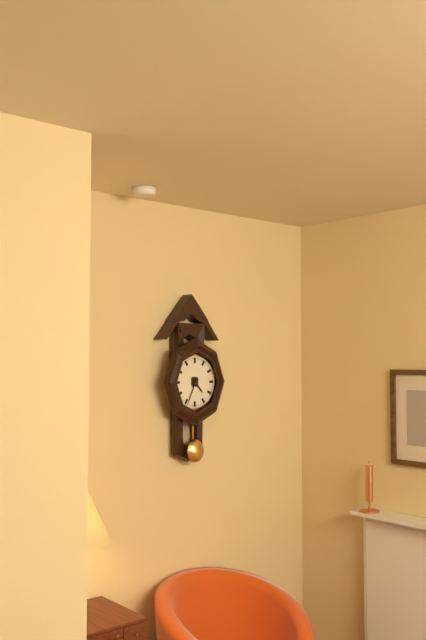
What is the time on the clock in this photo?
4:34
